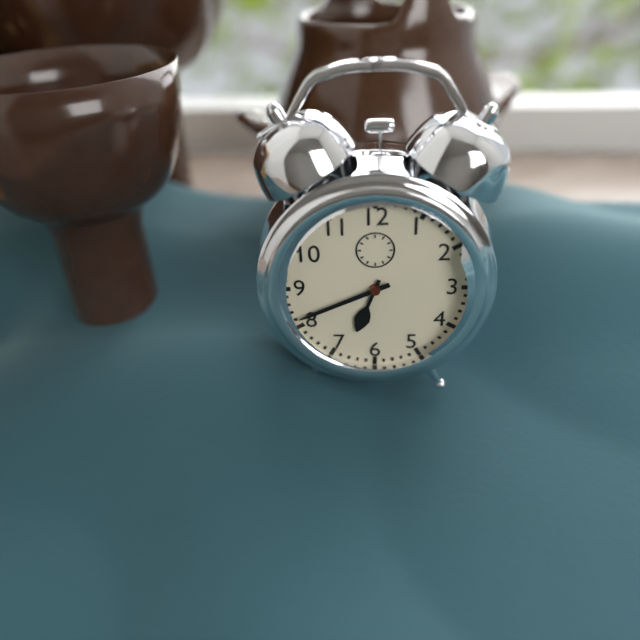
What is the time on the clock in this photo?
6:41
